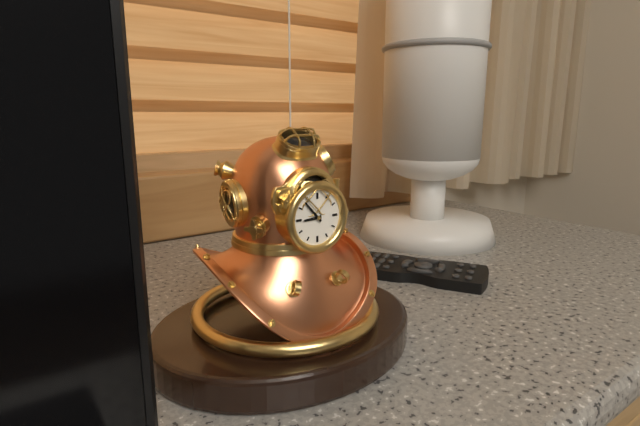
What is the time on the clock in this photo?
8:53
